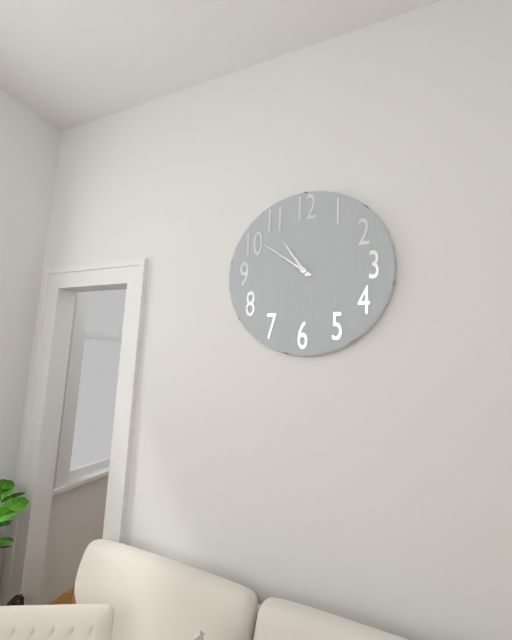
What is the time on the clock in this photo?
10:51
